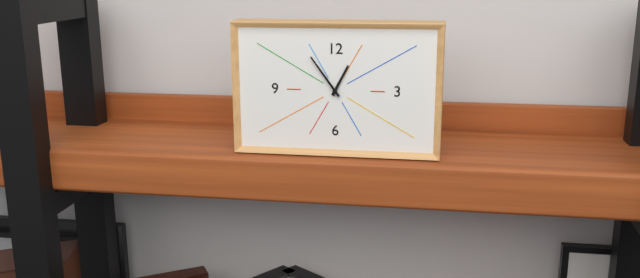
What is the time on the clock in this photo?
12:54
